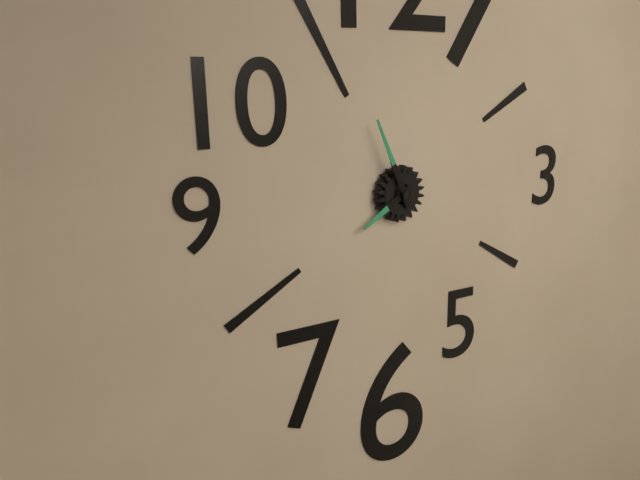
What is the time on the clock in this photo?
7:56
